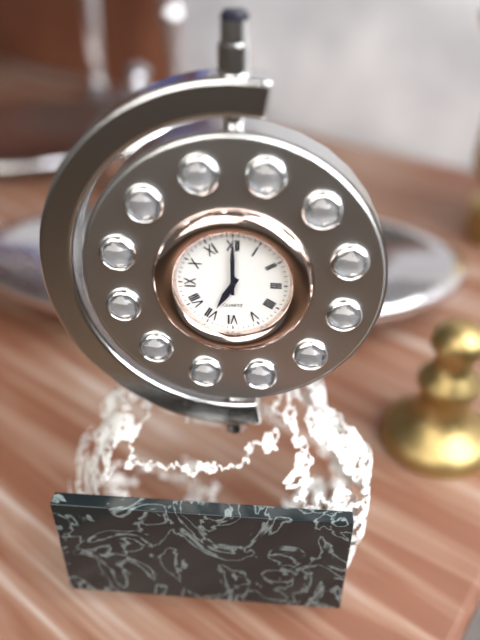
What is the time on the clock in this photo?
7:00
